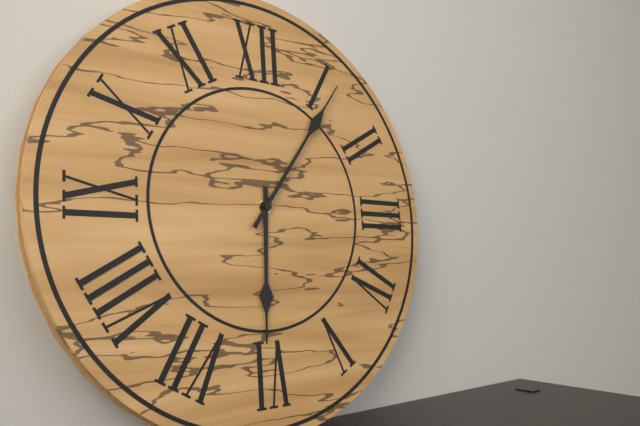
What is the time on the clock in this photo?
6:06
